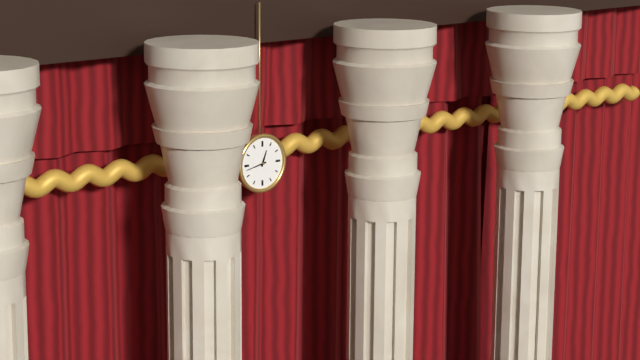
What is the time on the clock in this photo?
12:43
